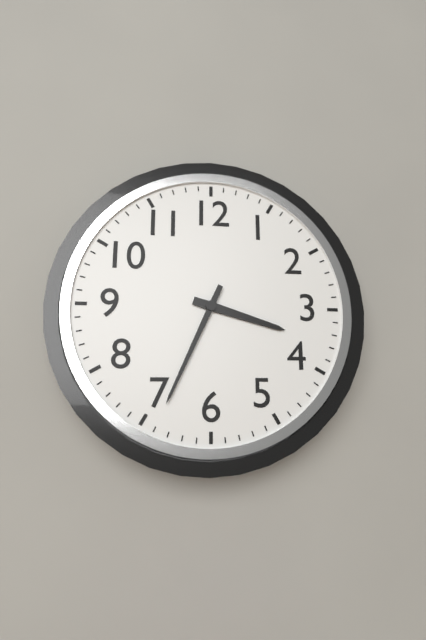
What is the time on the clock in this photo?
3:34
